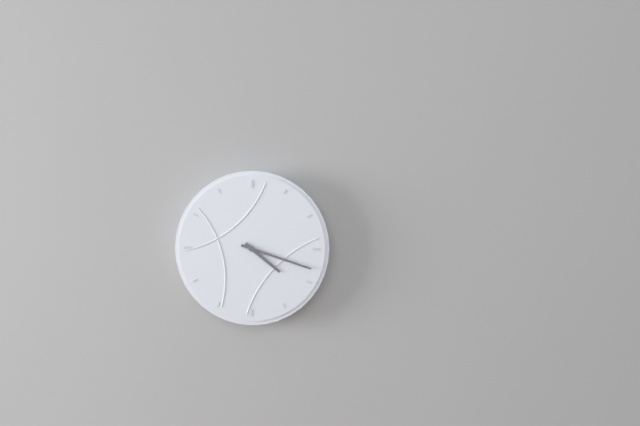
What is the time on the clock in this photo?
4:18
